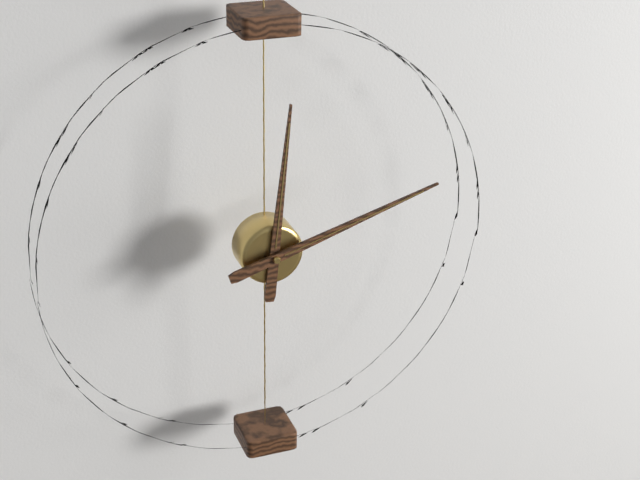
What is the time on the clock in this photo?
12:12
